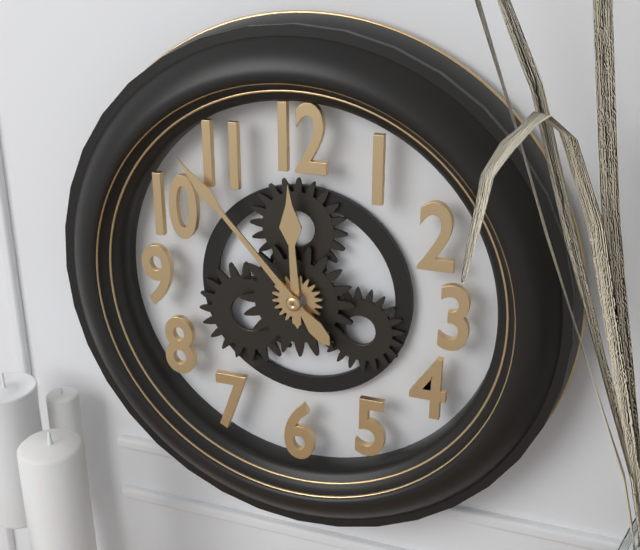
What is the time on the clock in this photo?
11:53
